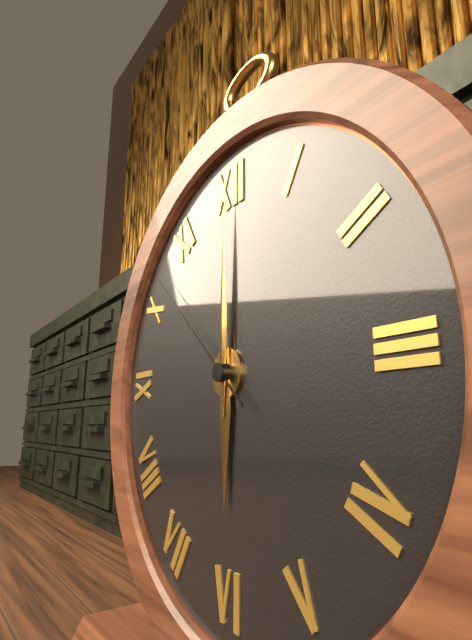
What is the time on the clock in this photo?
6:00:52
